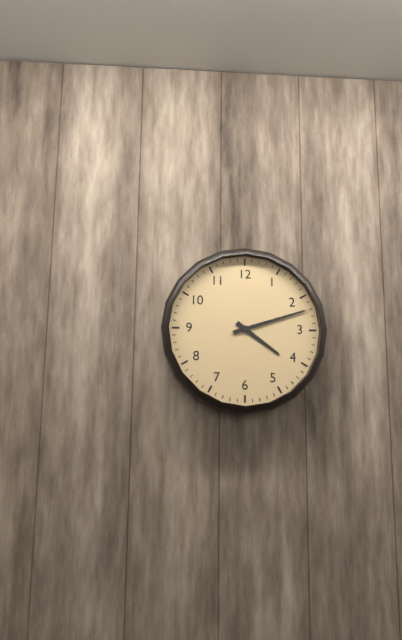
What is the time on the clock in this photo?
4:12
